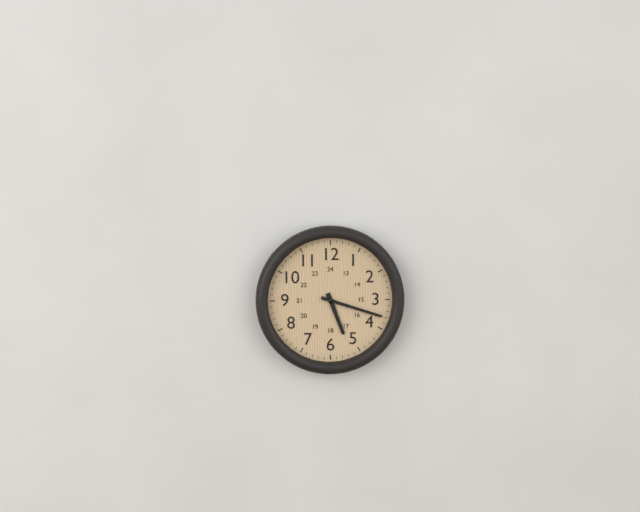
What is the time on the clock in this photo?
5:18
